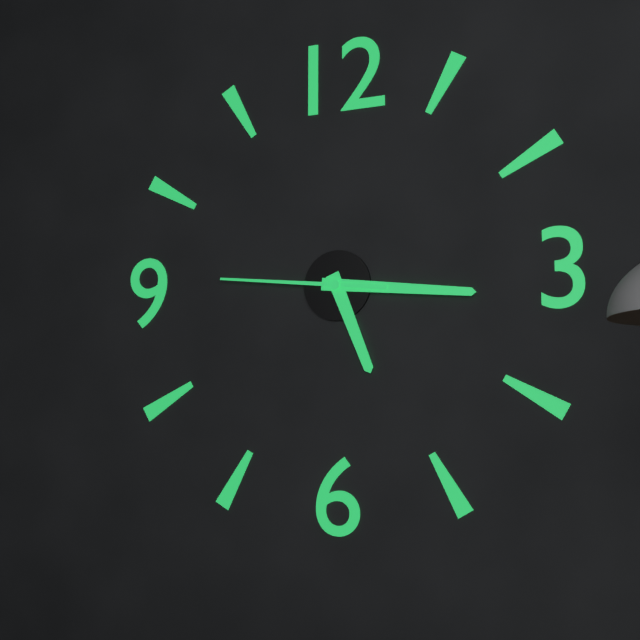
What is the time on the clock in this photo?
5:16:46
